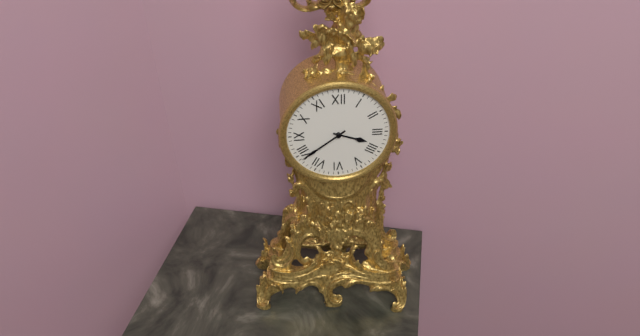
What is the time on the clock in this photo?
3:39
